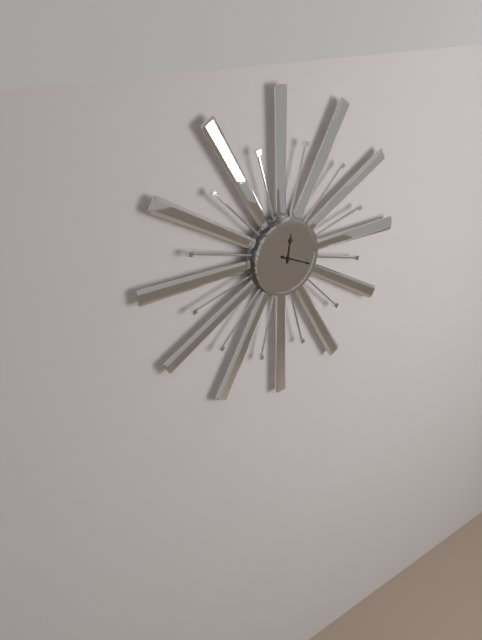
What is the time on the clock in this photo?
12:19
